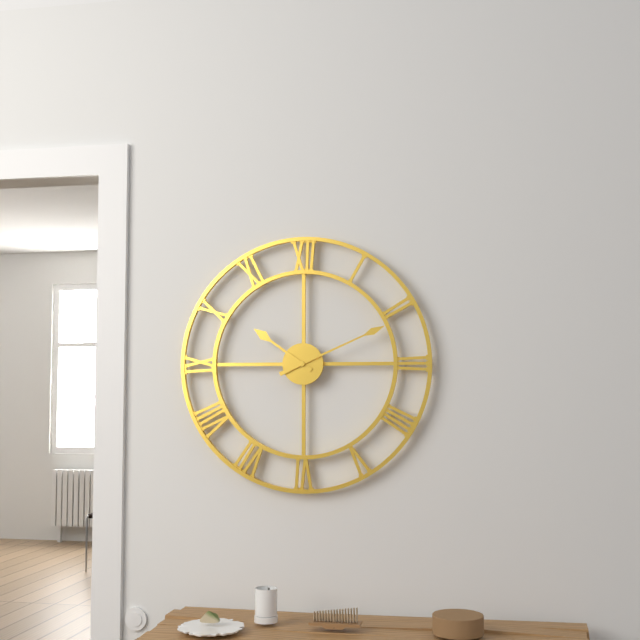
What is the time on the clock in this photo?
10:11
